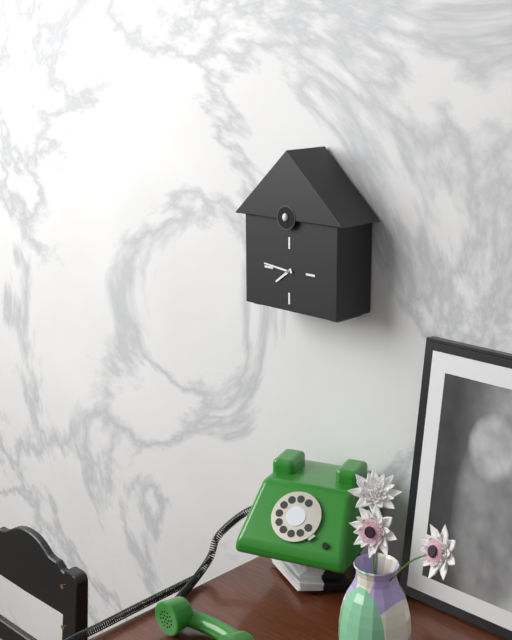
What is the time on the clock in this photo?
7:46
